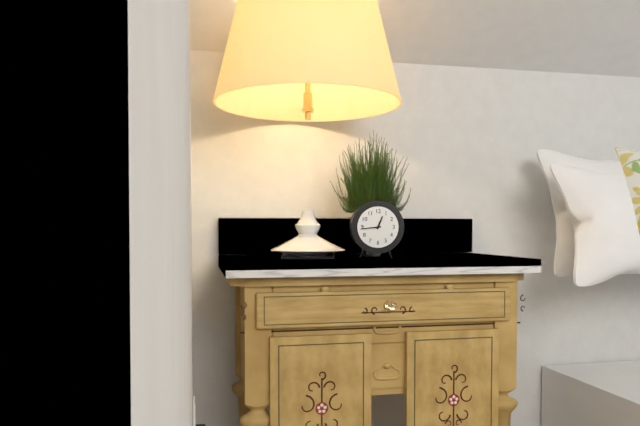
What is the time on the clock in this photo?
12:44
